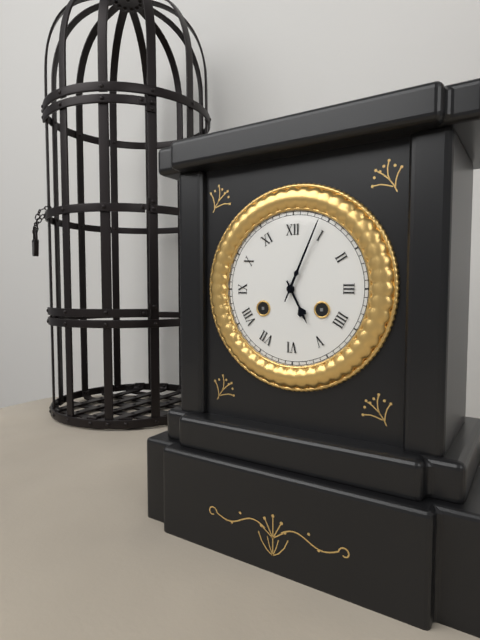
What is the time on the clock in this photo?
5:04
